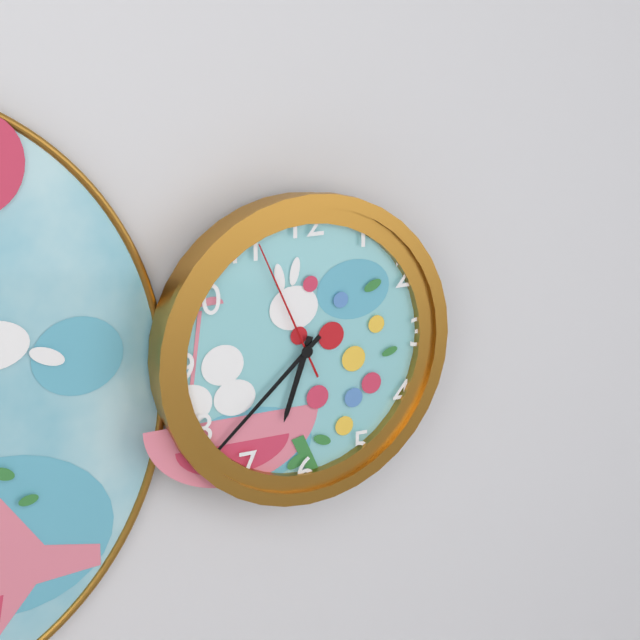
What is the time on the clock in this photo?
6:38:56
